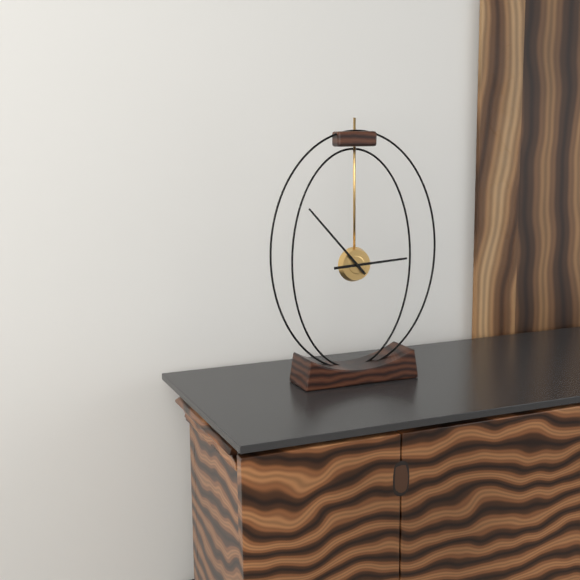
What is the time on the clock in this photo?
2:53
